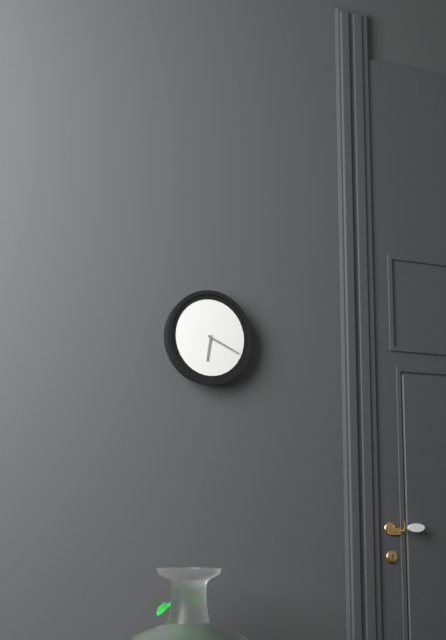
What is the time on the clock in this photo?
6:19
